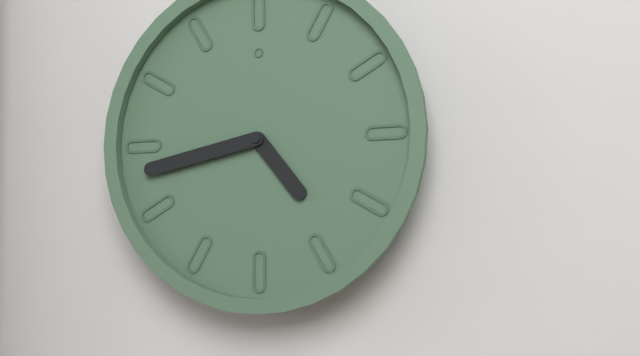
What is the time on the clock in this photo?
4:43
